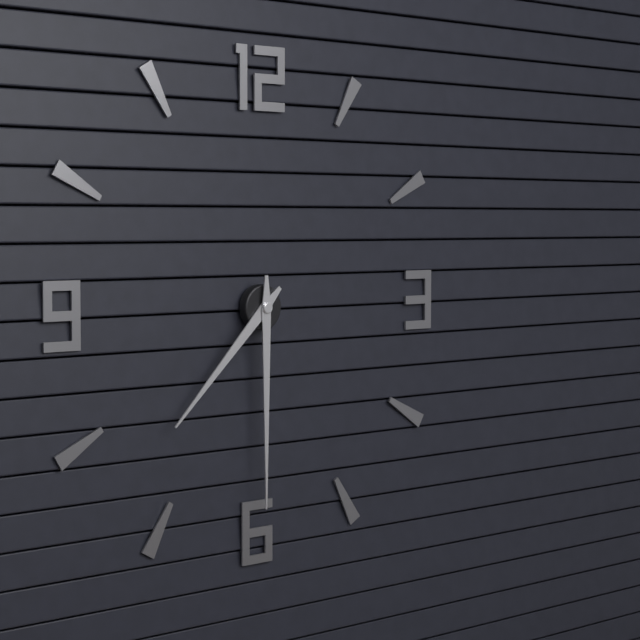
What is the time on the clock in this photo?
7:30
